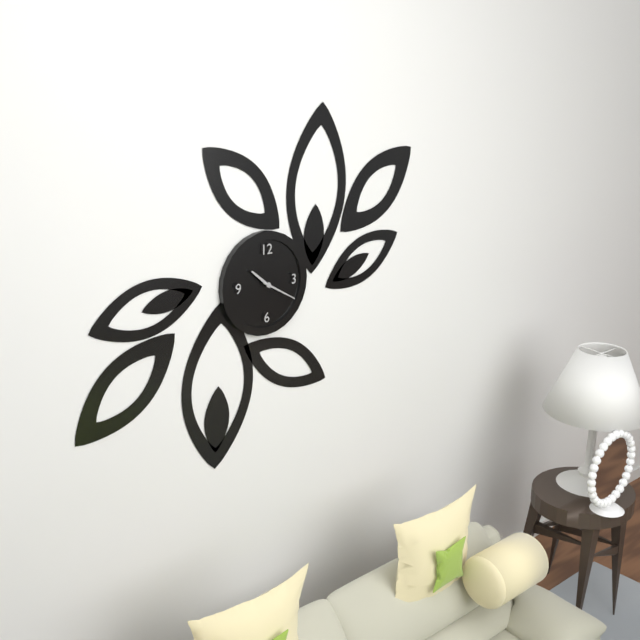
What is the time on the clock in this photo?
10:20
